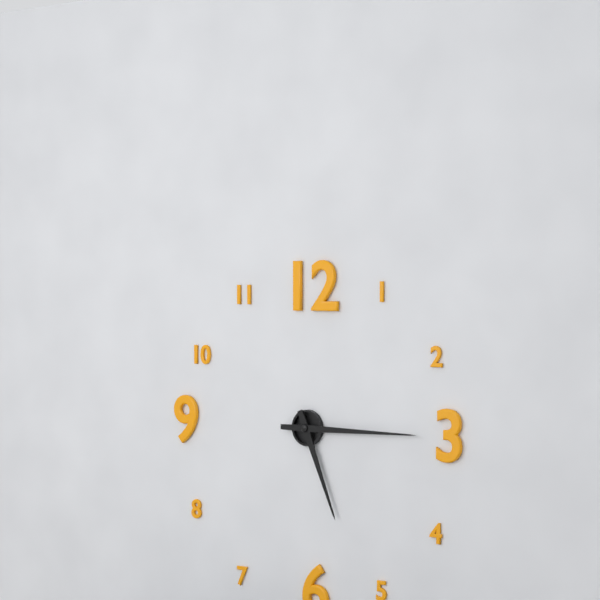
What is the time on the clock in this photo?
5:15
